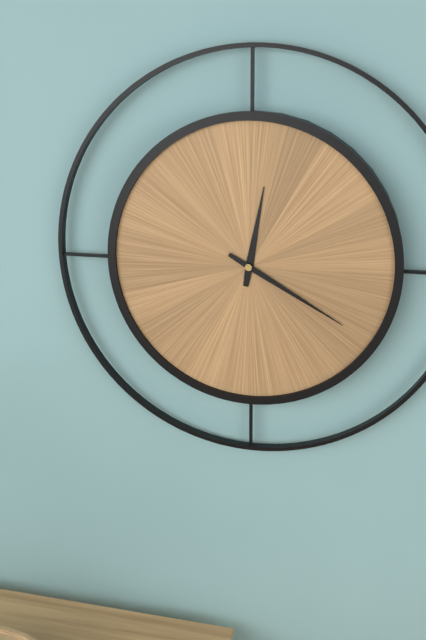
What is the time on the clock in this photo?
12:20
